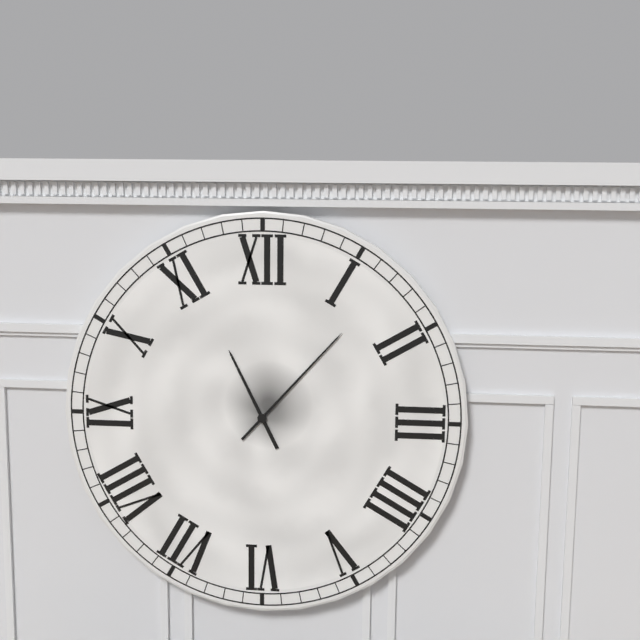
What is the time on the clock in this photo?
11:07
